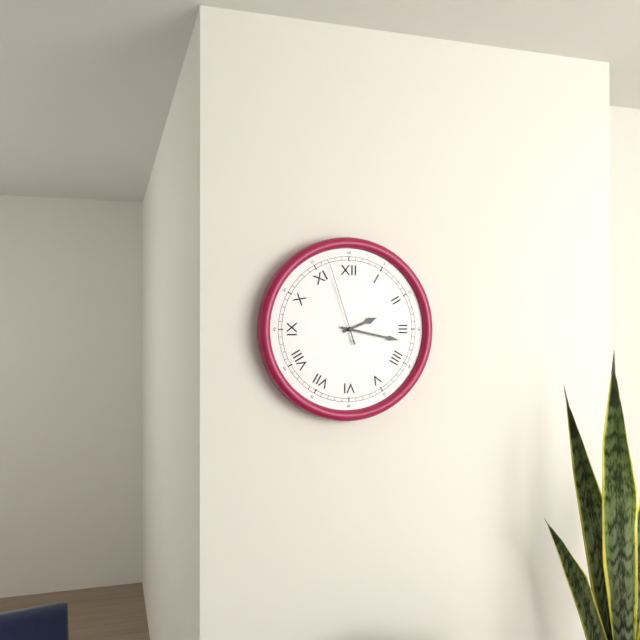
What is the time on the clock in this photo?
2:17:57
